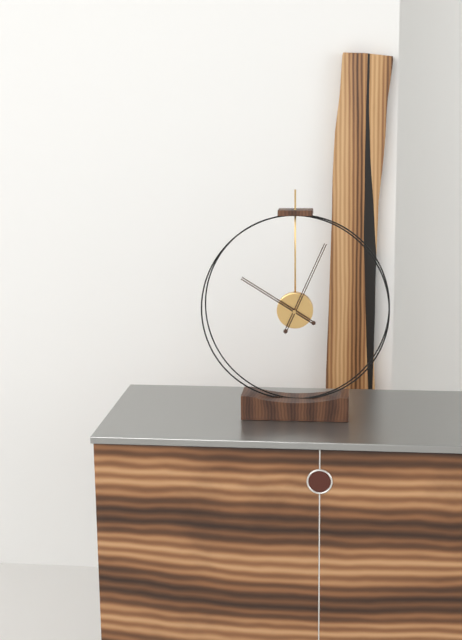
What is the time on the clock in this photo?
10:04
